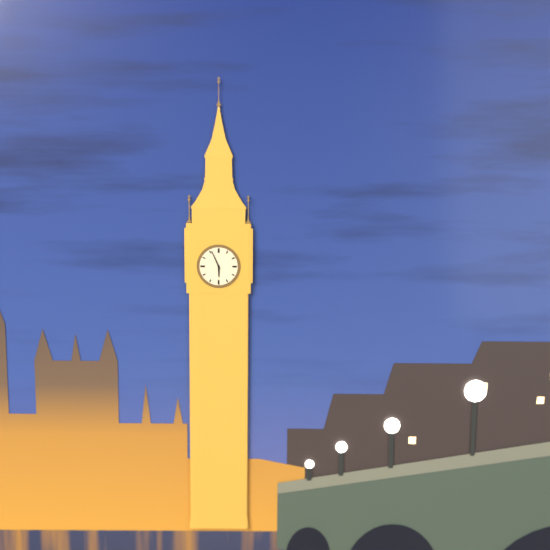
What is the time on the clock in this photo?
5:56
